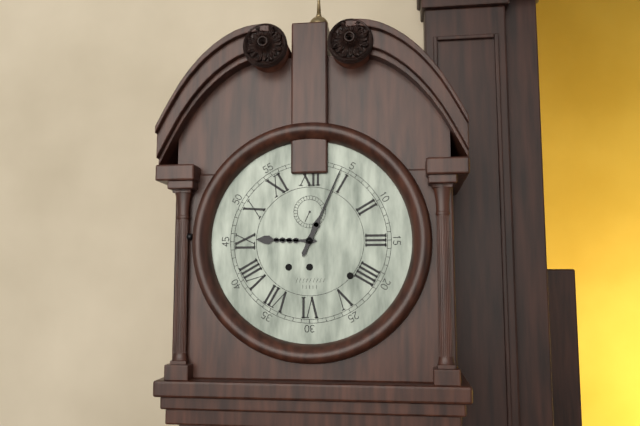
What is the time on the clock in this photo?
9:04
